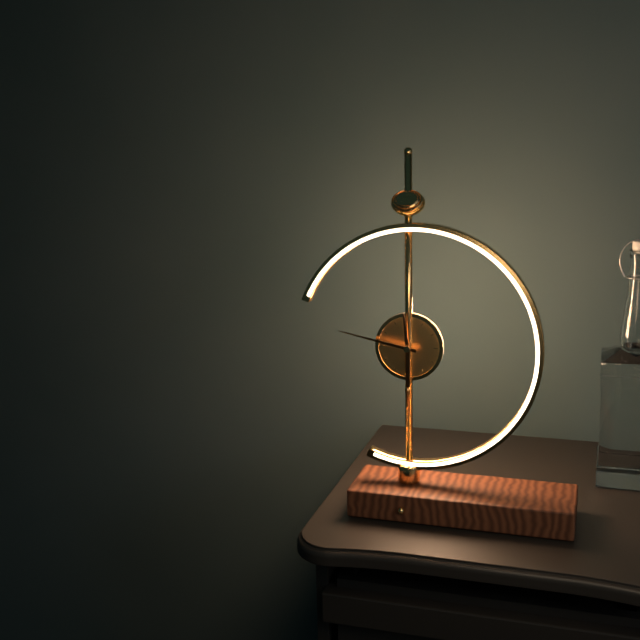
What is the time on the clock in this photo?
11:47
